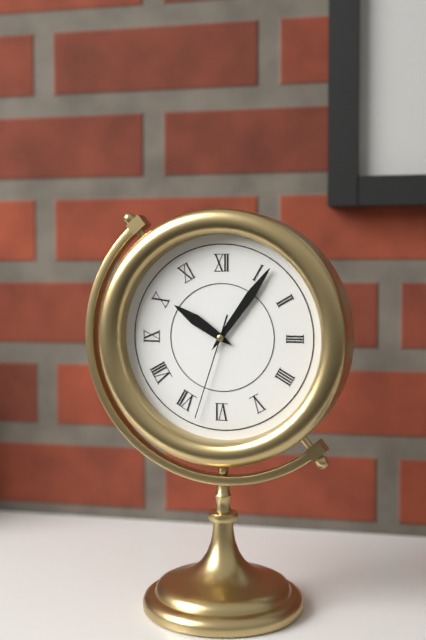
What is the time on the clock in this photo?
10:06:33
